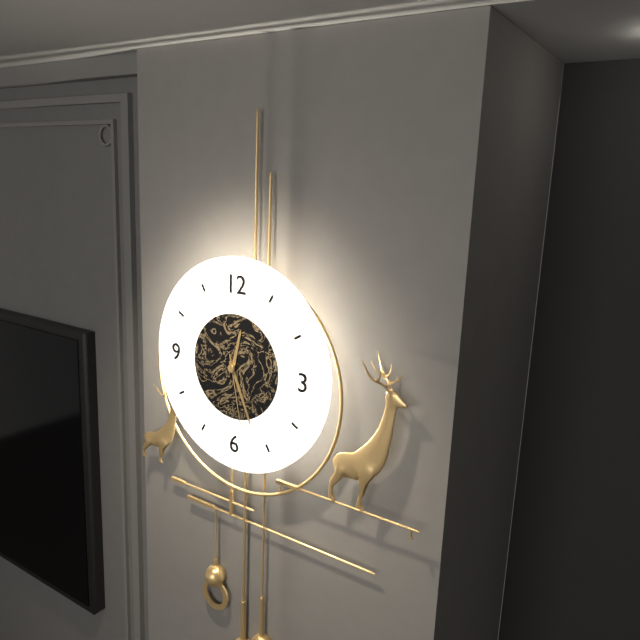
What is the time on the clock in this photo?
12:26:28
